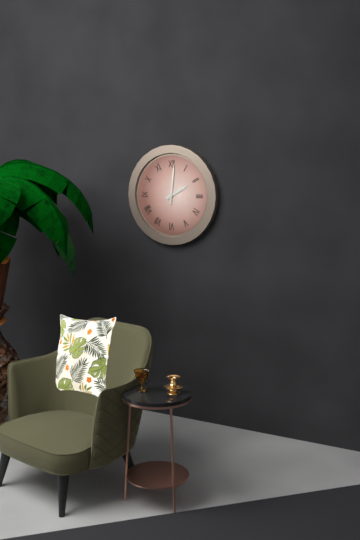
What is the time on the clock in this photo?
2:01
